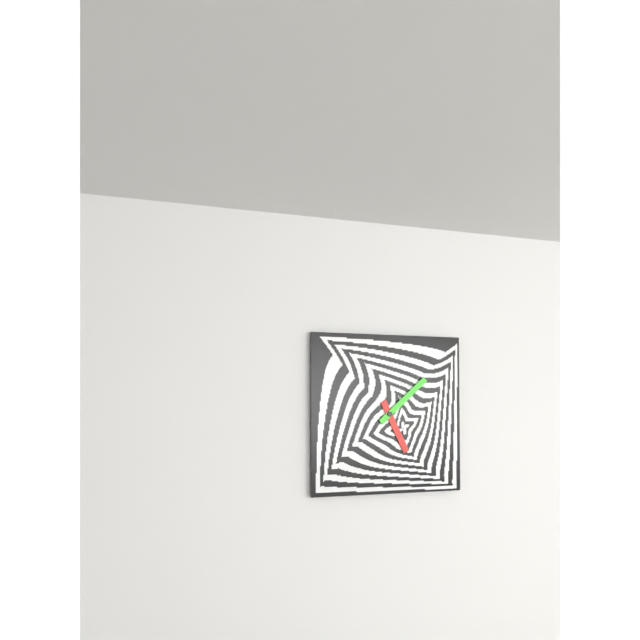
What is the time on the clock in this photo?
5:08
